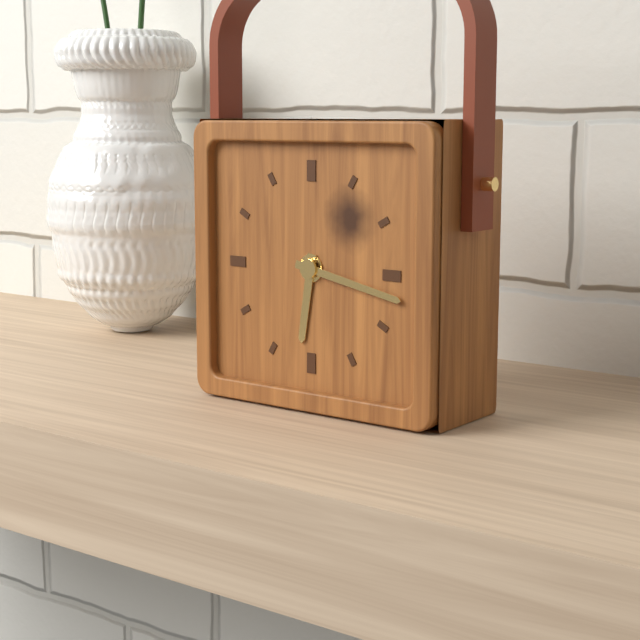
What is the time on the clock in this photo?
6:17
